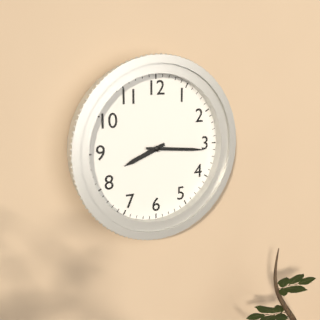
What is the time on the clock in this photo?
8:16
